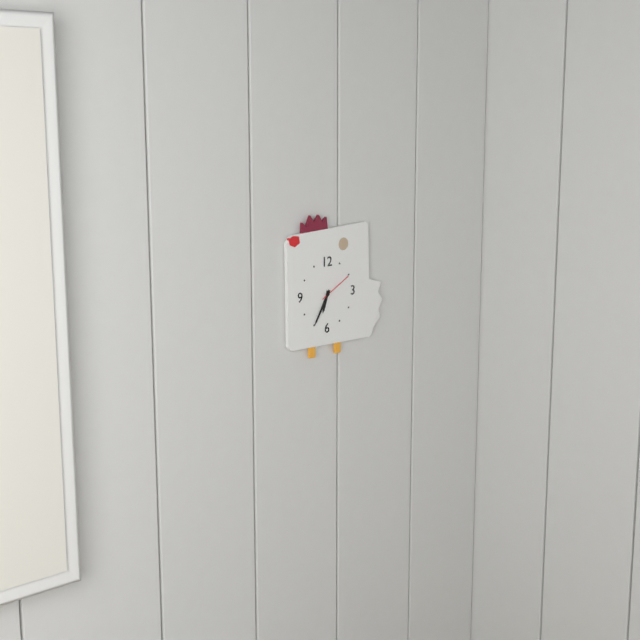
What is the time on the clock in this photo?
6:35
